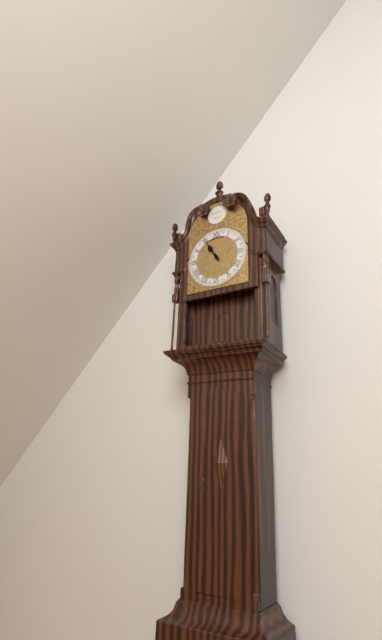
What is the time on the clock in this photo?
10:55
